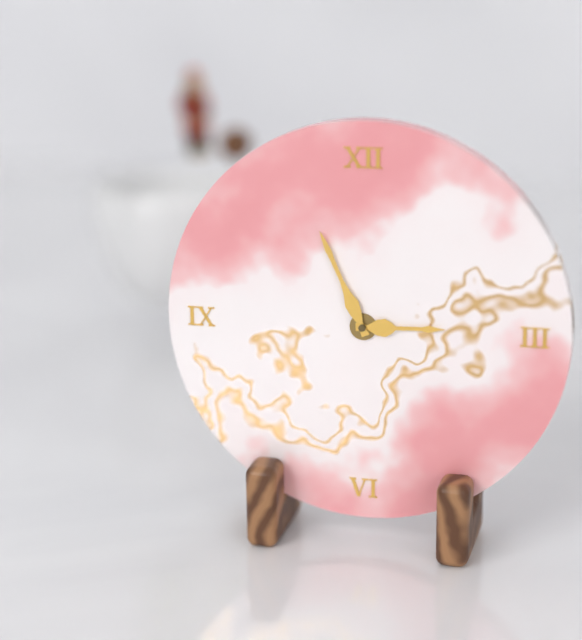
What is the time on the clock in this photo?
2:56
